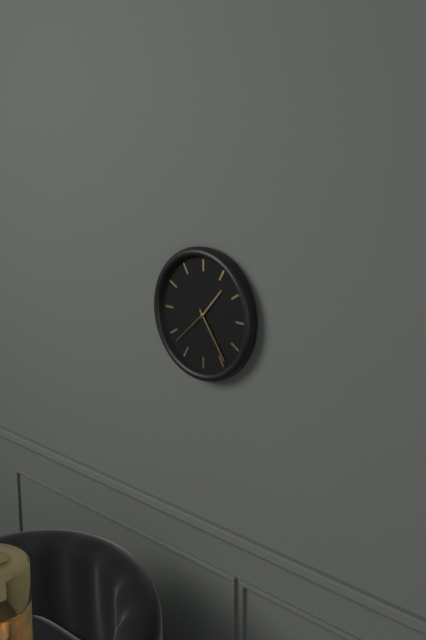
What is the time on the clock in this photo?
1:24
